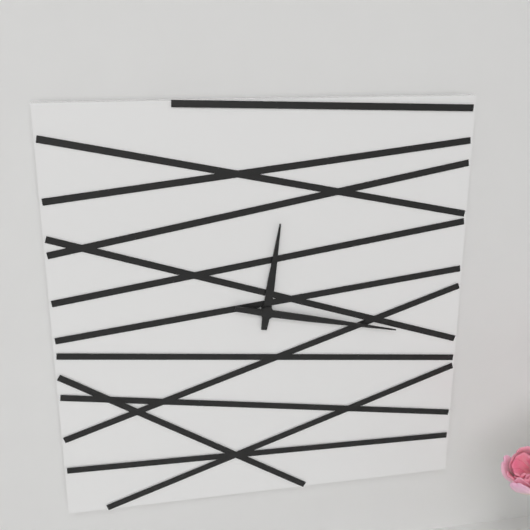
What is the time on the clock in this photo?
12:17
